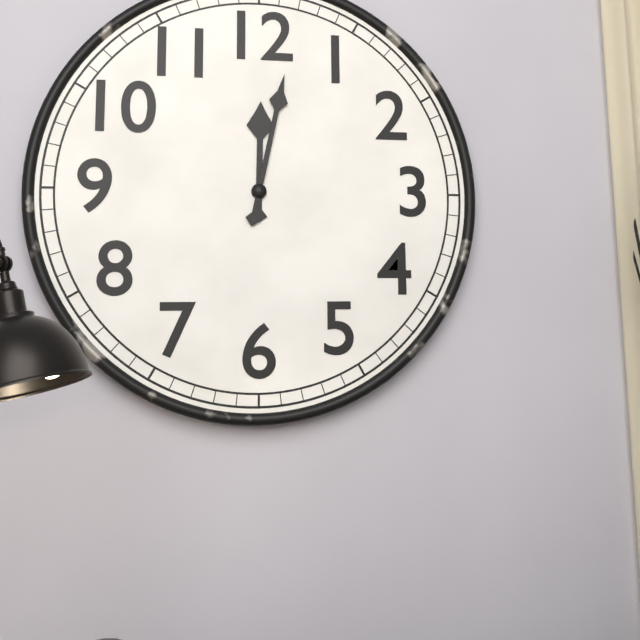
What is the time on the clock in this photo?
12:02
